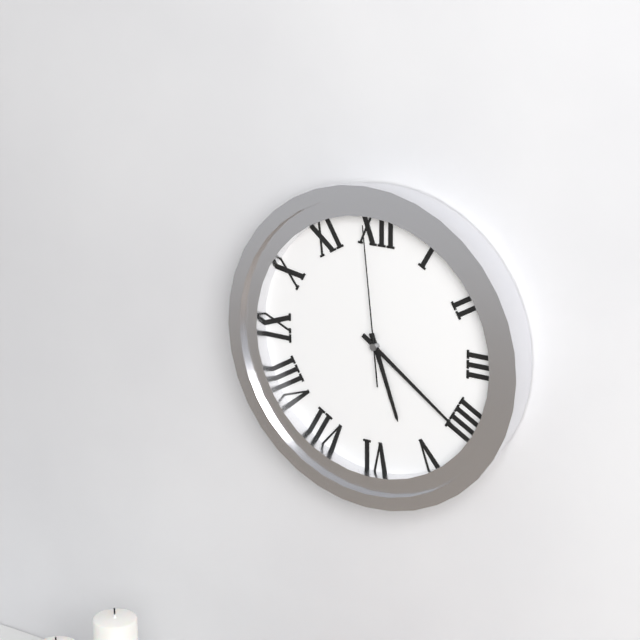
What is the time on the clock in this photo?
5:21:59
